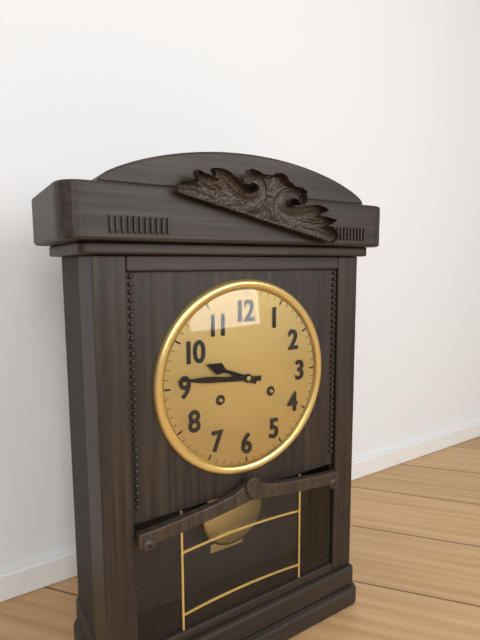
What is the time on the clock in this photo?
9:46
